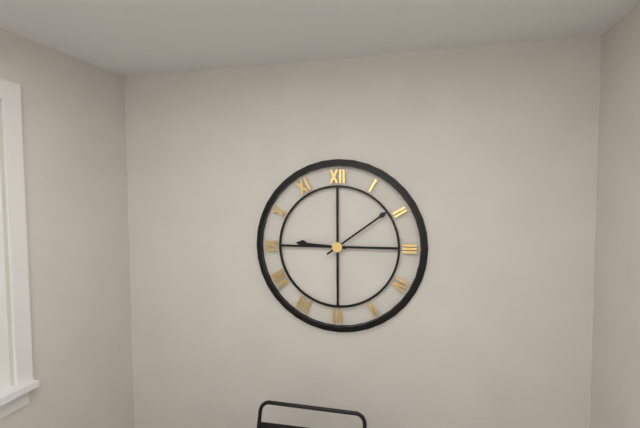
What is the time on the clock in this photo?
9:09
